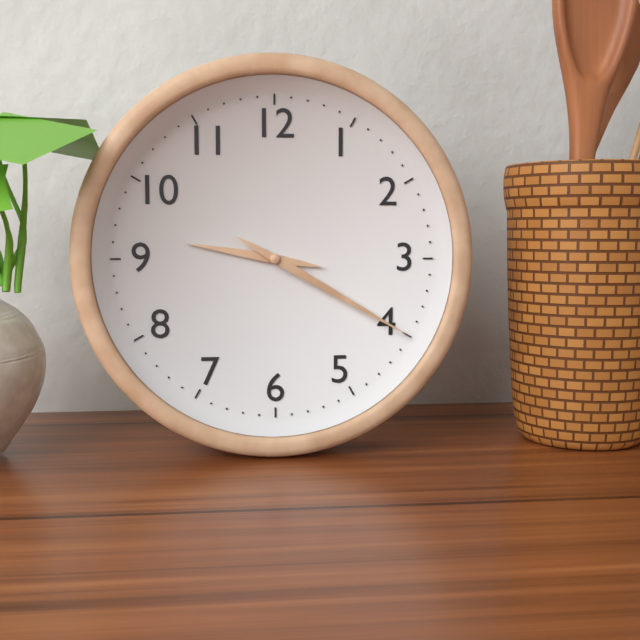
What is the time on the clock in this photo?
9:20
